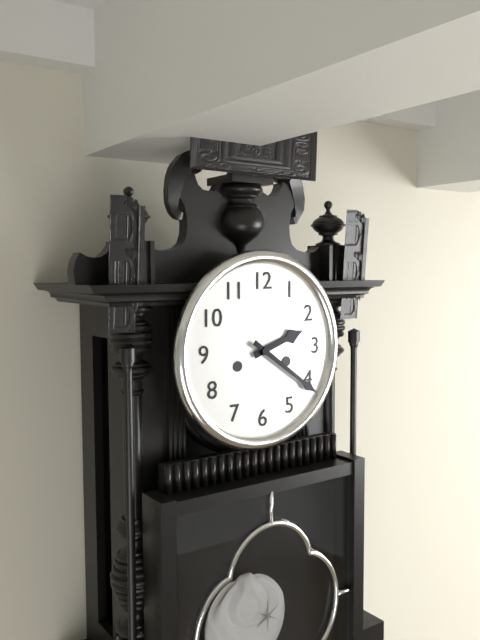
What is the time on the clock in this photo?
2:21
